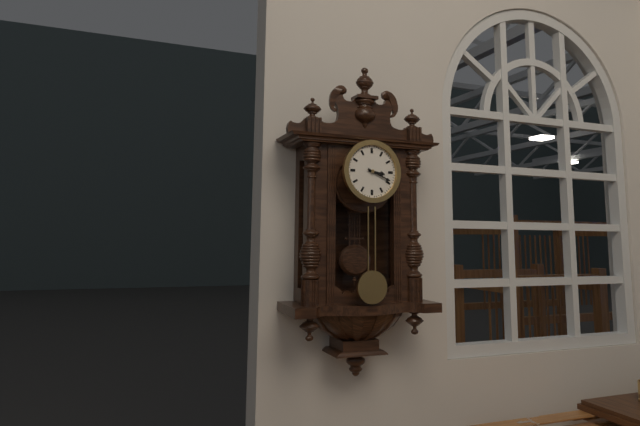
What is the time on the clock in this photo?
3:19
